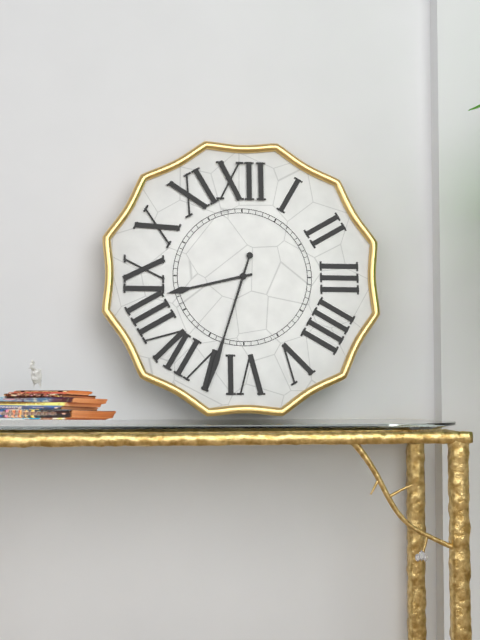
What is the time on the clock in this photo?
8:33
